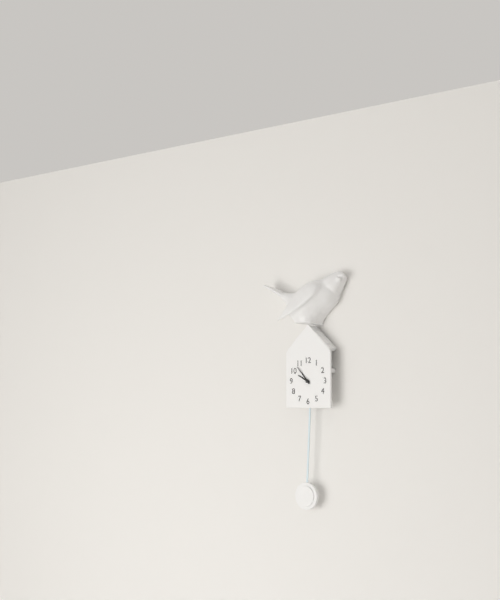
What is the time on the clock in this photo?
9:53
